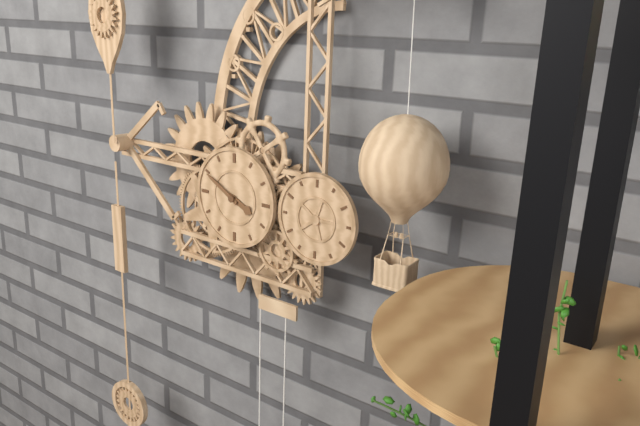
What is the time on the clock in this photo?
3:50
